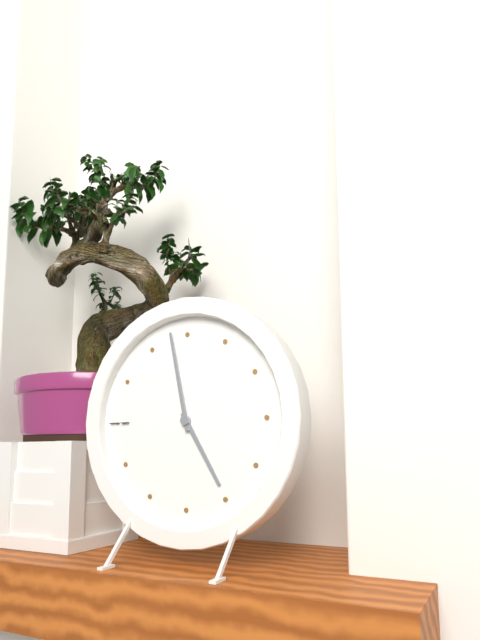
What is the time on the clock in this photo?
4:58
